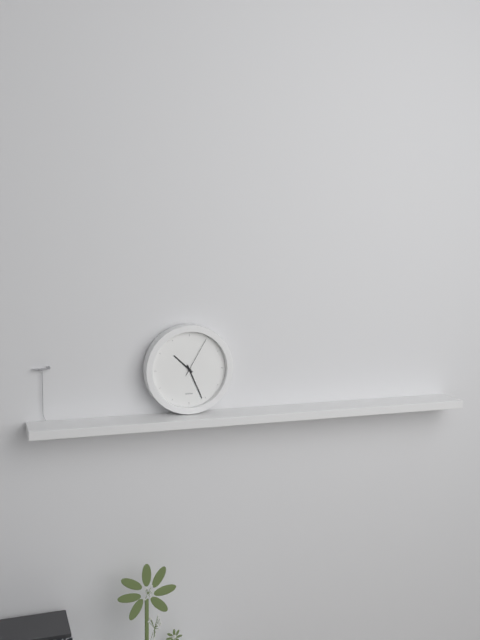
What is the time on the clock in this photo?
10:26
